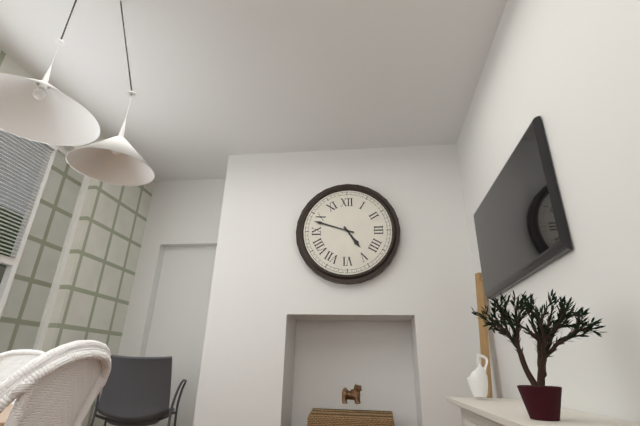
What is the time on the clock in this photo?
4:48
